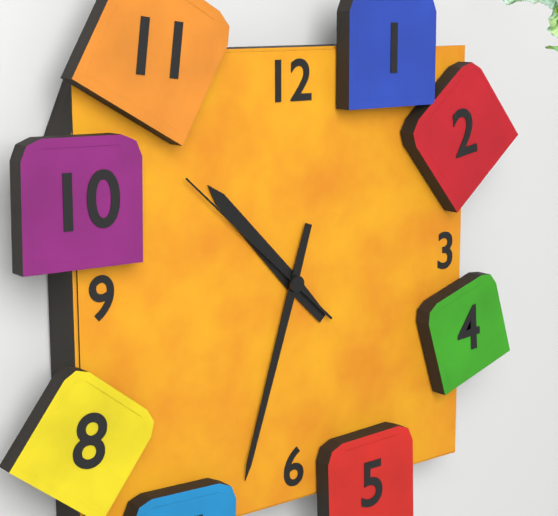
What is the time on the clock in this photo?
10:33:52
